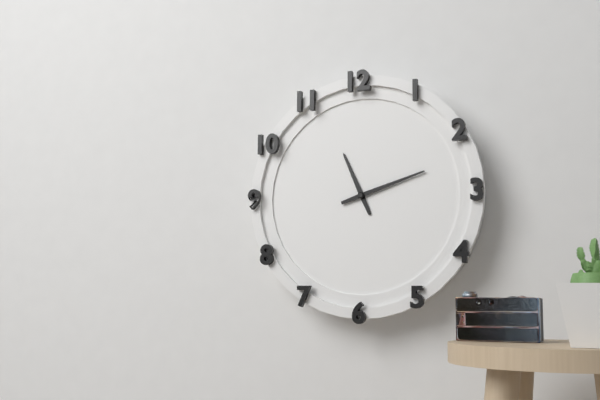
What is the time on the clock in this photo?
11:12
